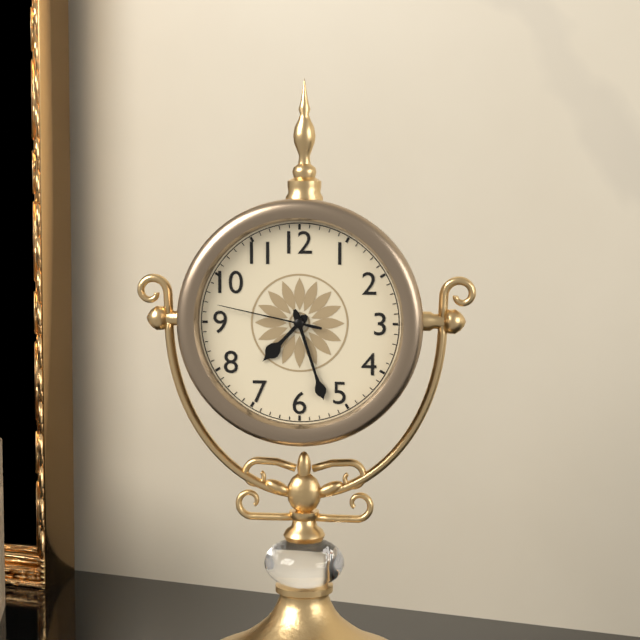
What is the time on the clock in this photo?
7:27:47
